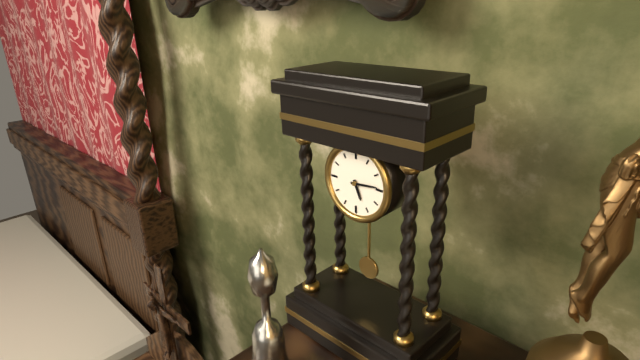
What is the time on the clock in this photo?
5:14
